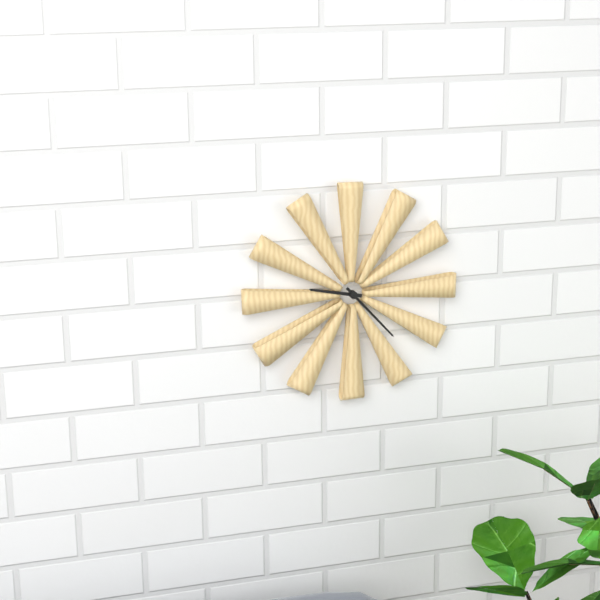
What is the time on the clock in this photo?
9:23
